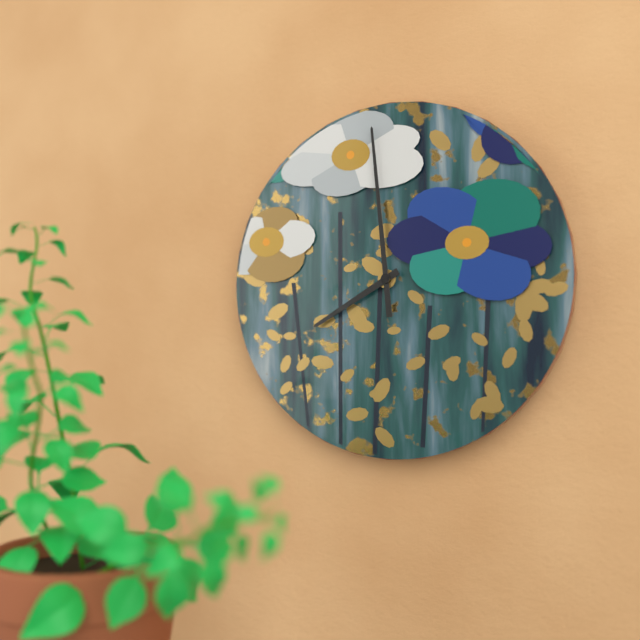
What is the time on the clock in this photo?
7:59
